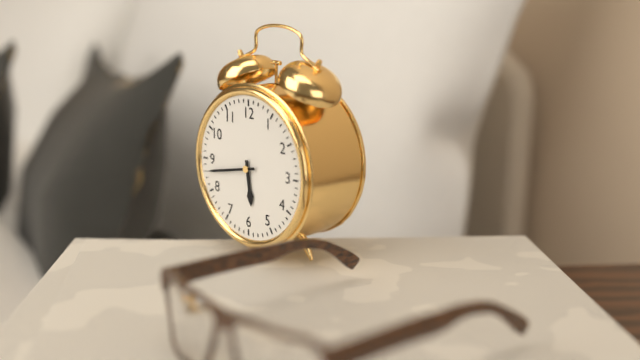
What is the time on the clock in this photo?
5:43
